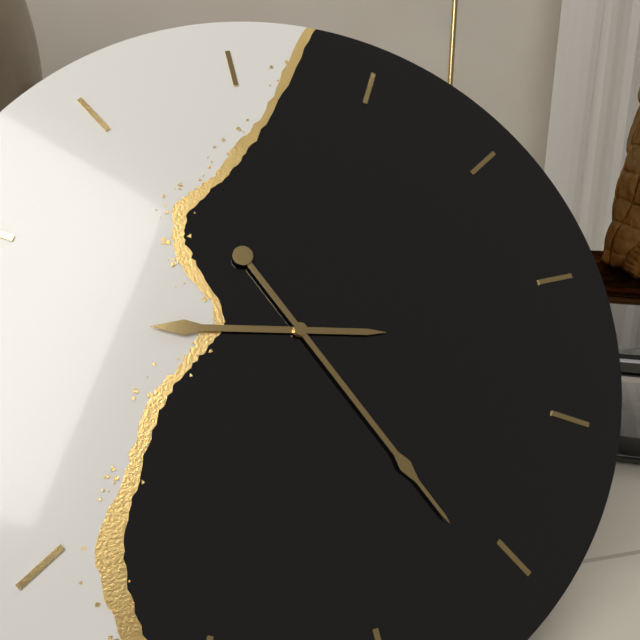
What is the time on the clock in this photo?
9:26
